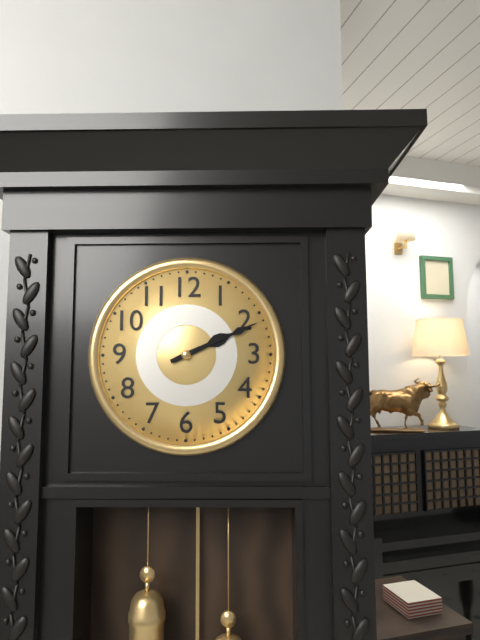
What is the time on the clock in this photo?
2:11
